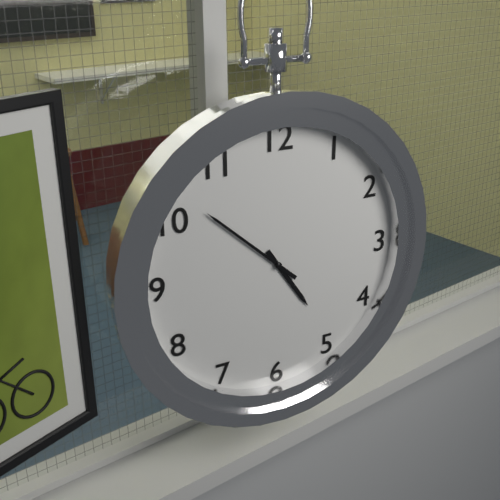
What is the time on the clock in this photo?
4:52
